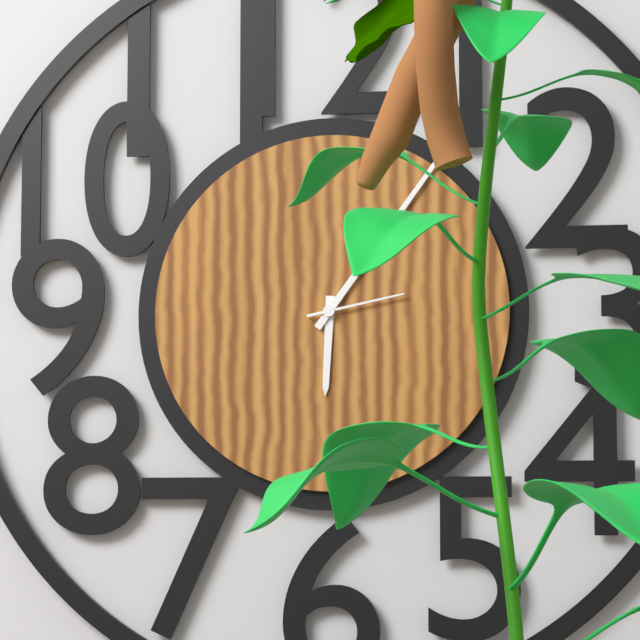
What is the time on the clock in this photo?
6:06:13
